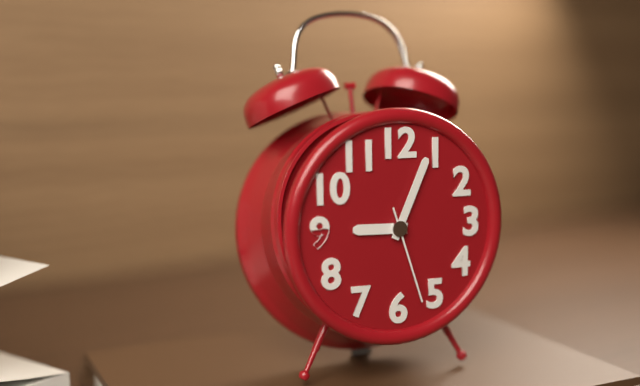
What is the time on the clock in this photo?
9:04:27
